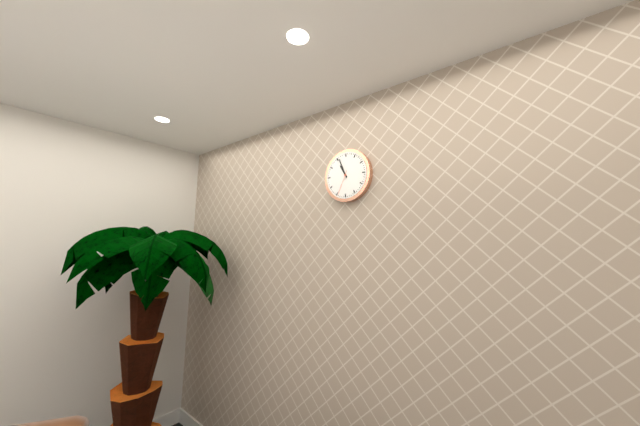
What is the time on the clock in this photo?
10:56
